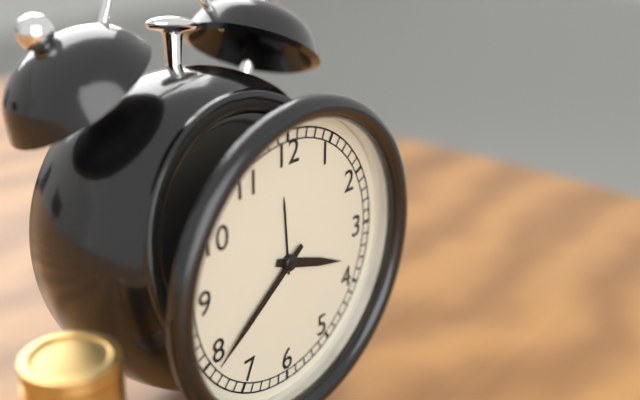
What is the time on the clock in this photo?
3:39
